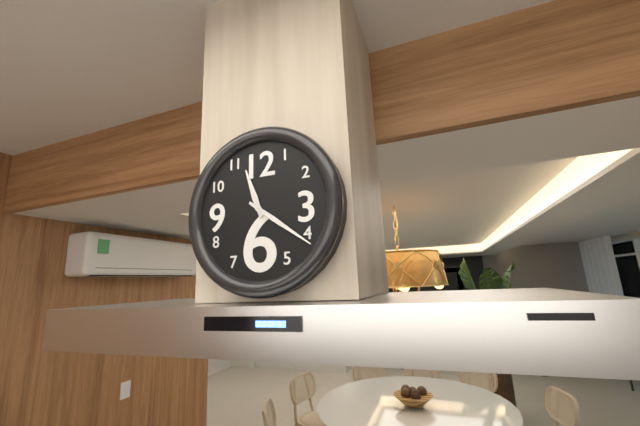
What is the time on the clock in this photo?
11:21
